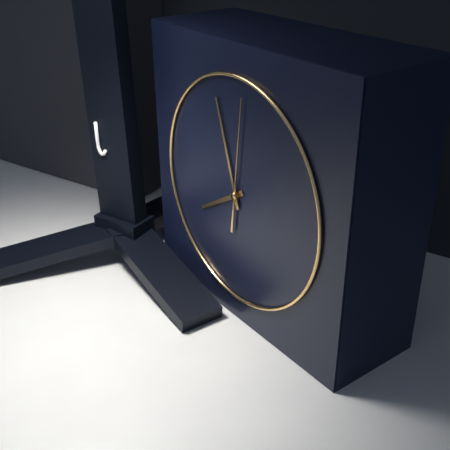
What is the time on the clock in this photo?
7:57:01
